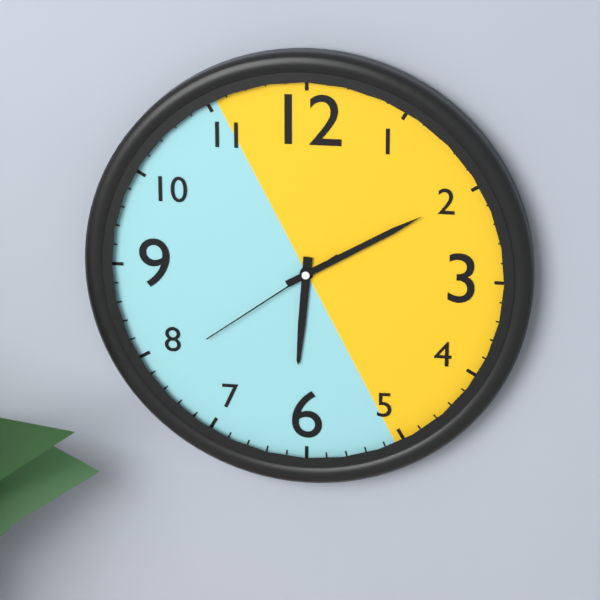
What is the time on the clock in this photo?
6:10:39
